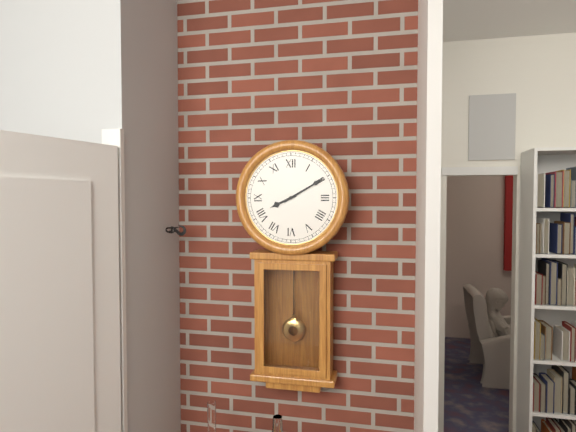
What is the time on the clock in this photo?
8:10
